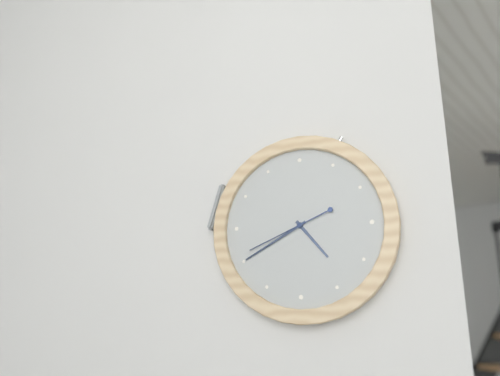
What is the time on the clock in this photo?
4:40:41
